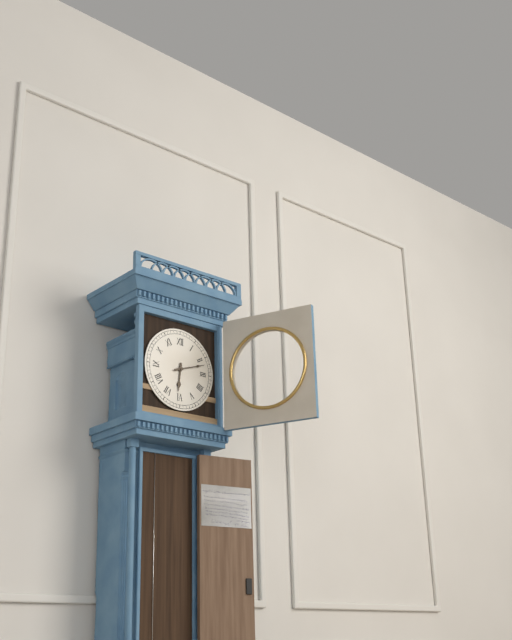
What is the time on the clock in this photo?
6:12
